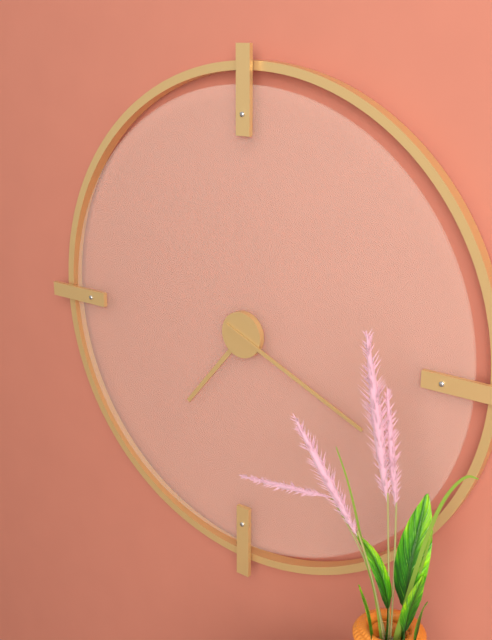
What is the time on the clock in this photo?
7:19
